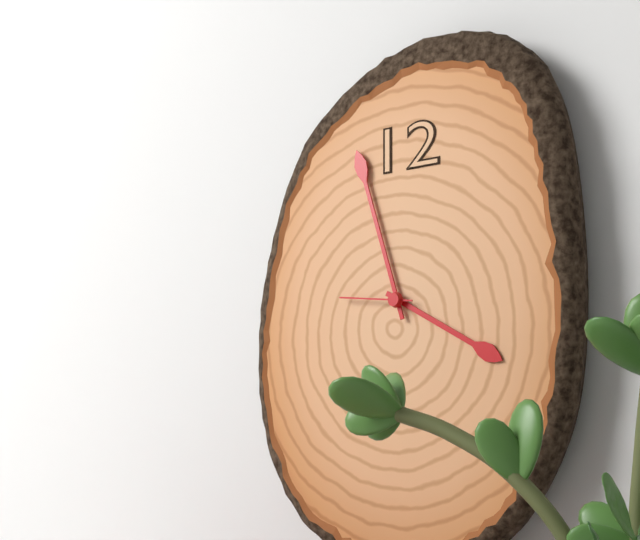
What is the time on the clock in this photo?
3:57:46
